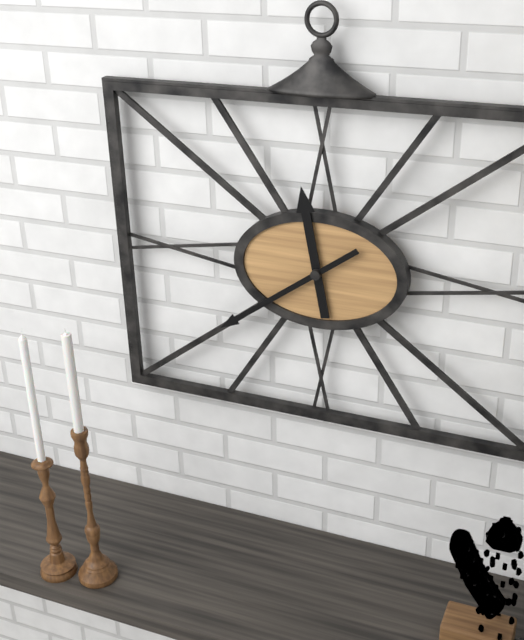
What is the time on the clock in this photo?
11:39
